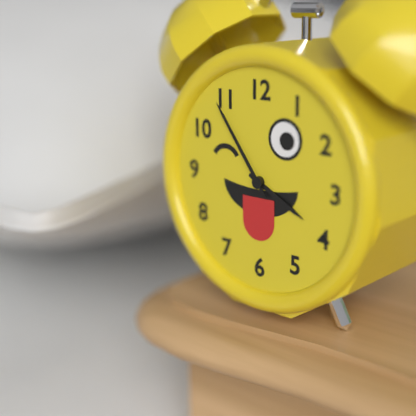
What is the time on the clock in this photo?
3:54
